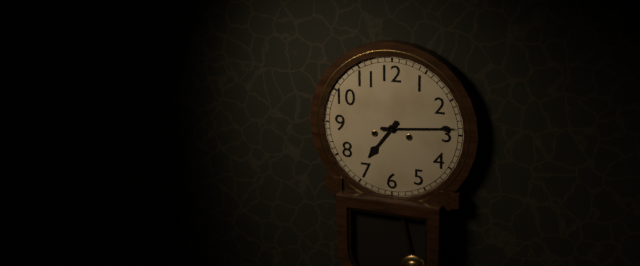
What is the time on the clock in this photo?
7:14
